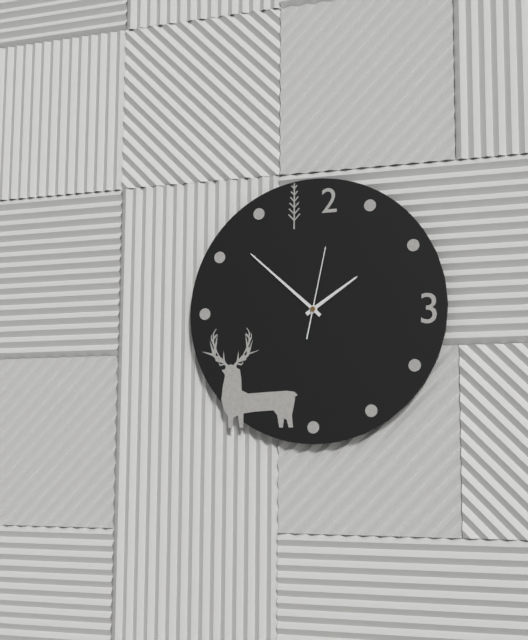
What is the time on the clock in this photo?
1:52:02
